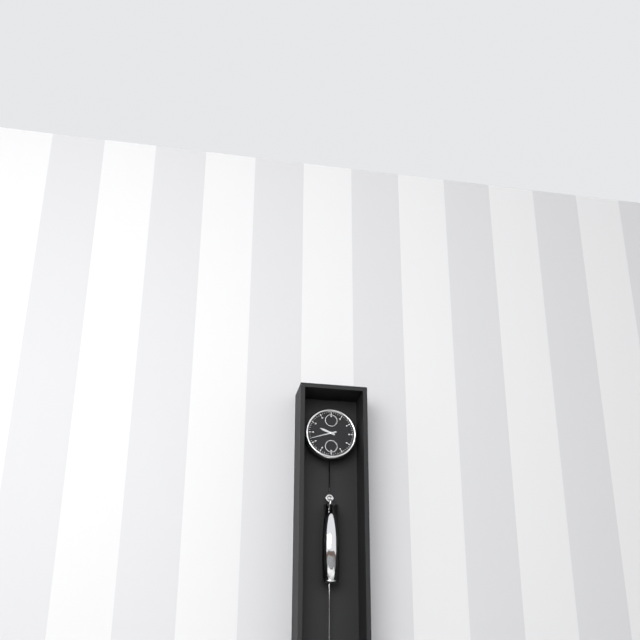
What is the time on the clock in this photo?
9:42
